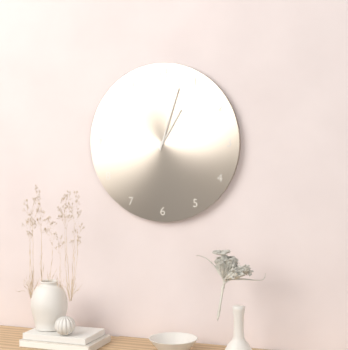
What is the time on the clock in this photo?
1:03
